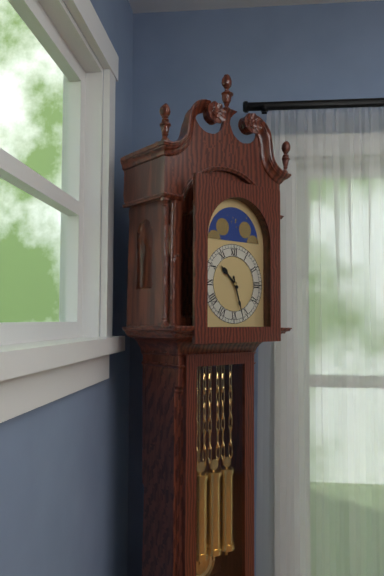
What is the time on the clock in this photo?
10:27
